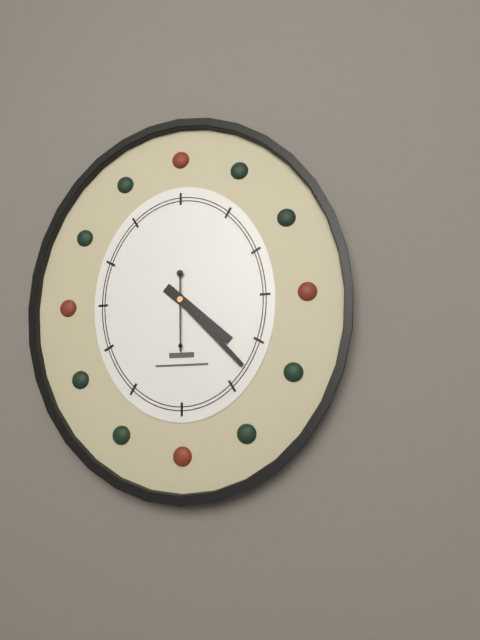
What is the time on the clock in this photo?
4:23:30
